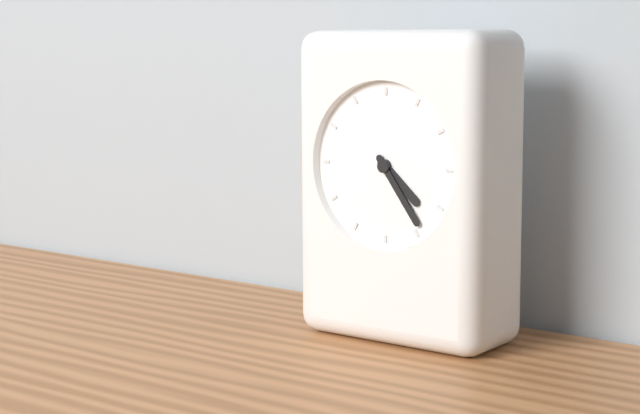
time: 4:24
